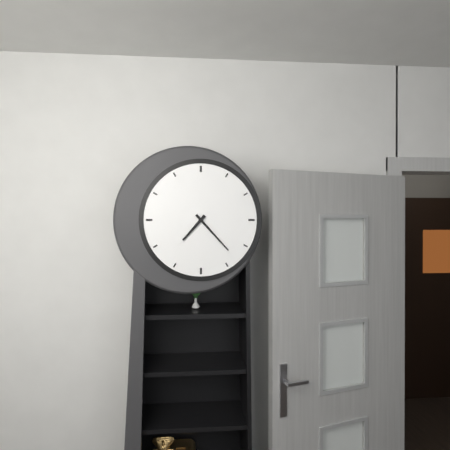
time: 7:23
